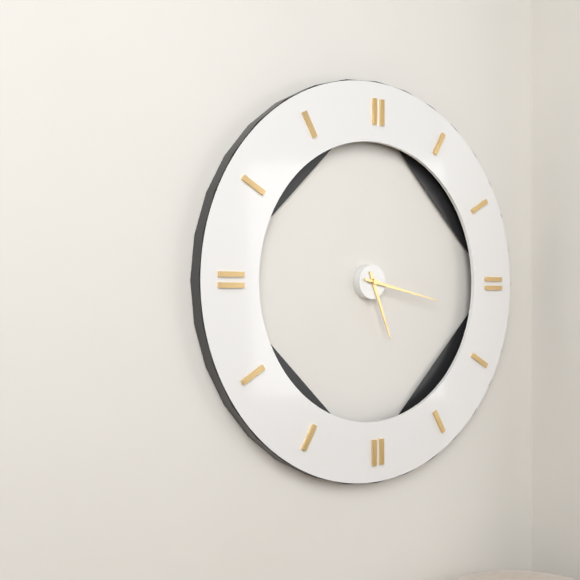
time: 5:17
